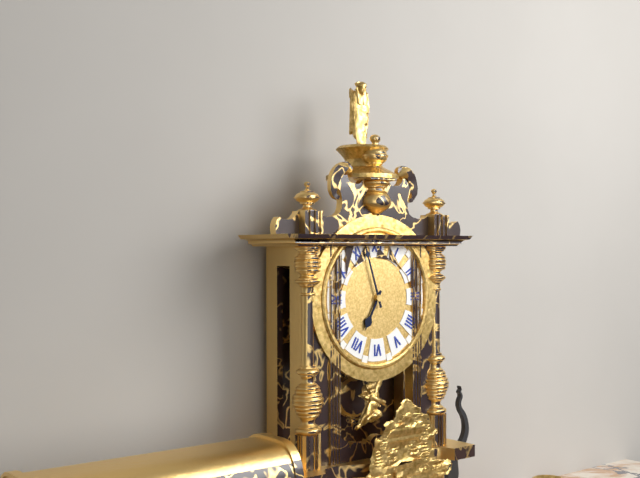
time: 6:57
